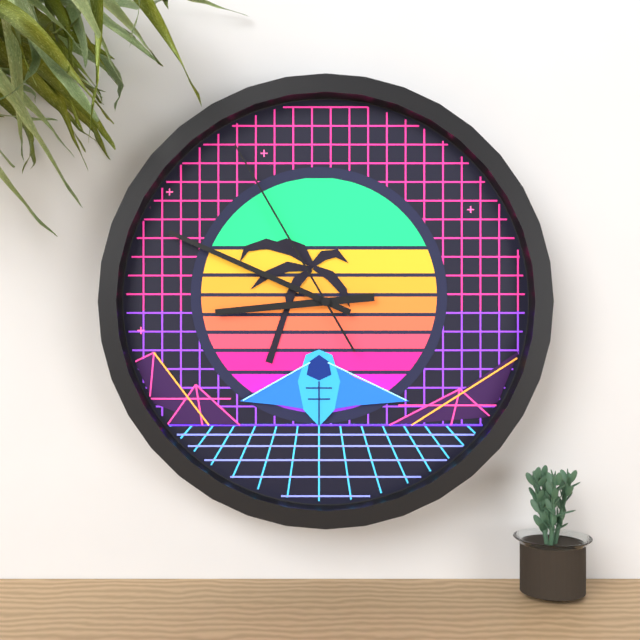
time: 8:49:55
